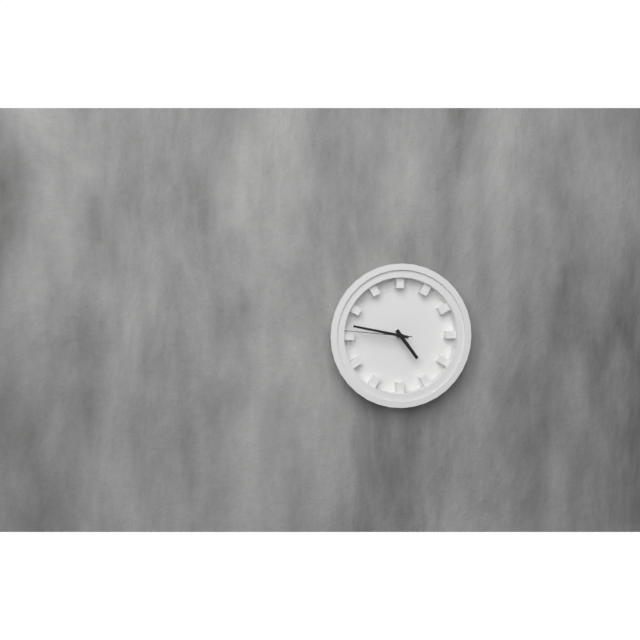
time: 4:47:46
